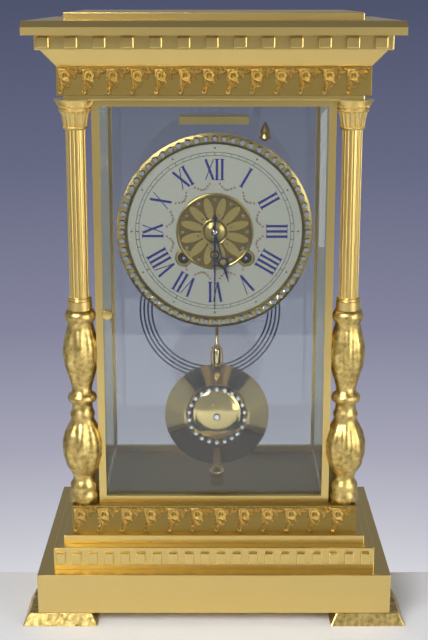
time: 5:30
